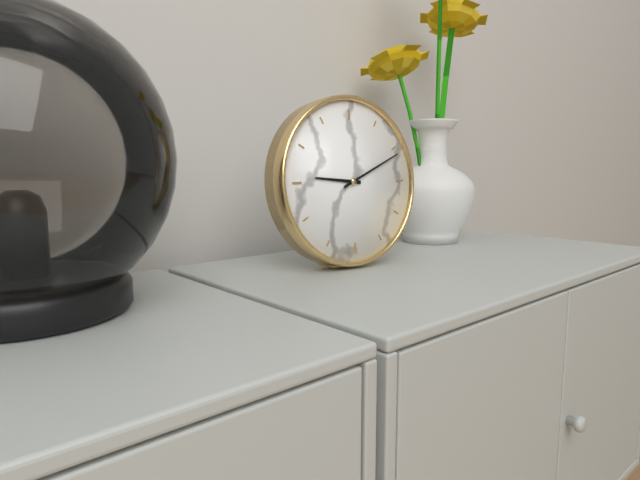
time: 9:11
